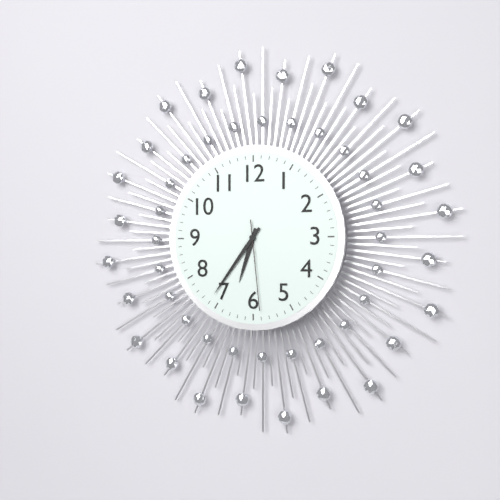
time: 6:36:29
